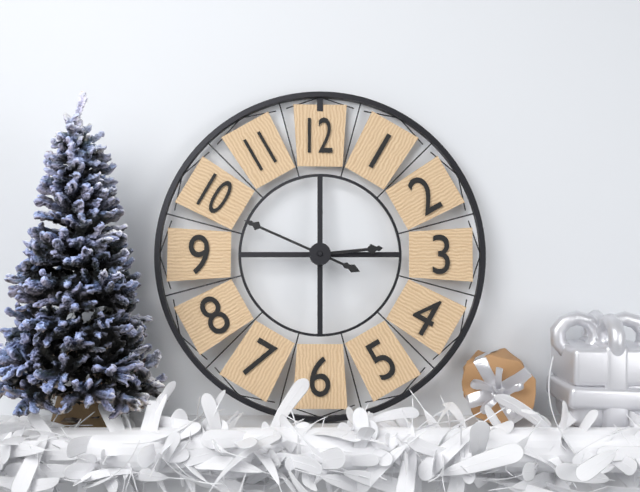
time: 2:49
